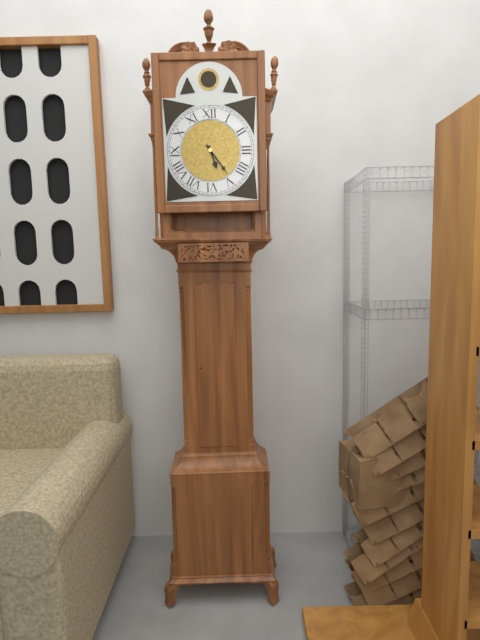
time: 5:24
